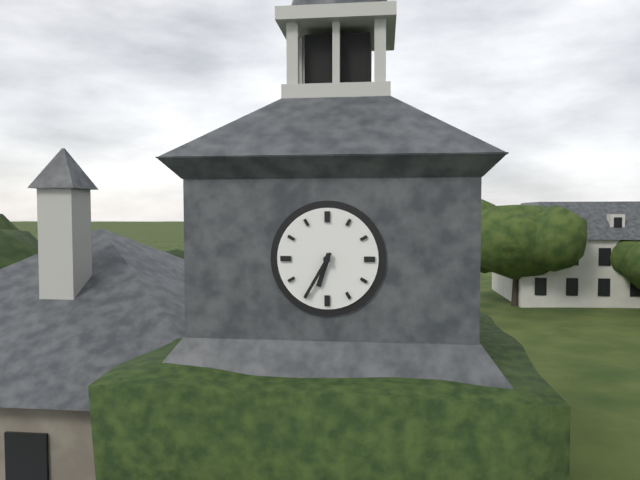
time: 6:35
